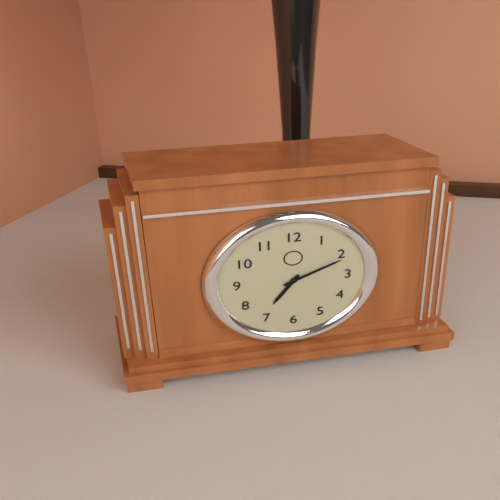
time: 7:11
